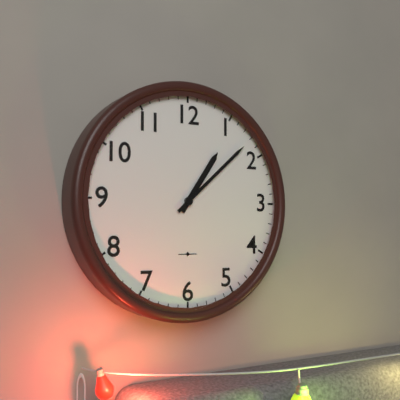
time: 1:08
